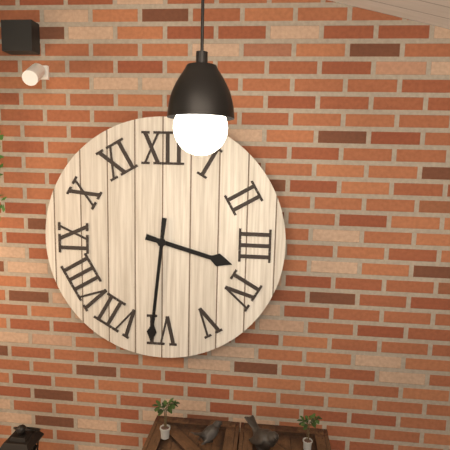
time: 3:31
